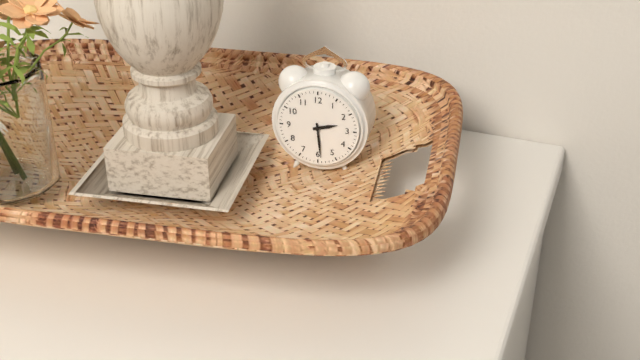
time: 2:29
